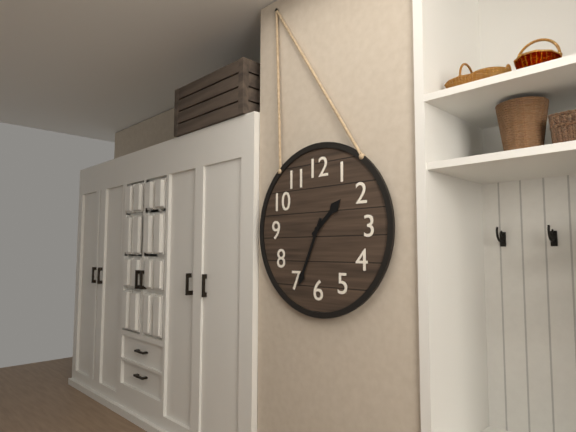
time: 1:34
